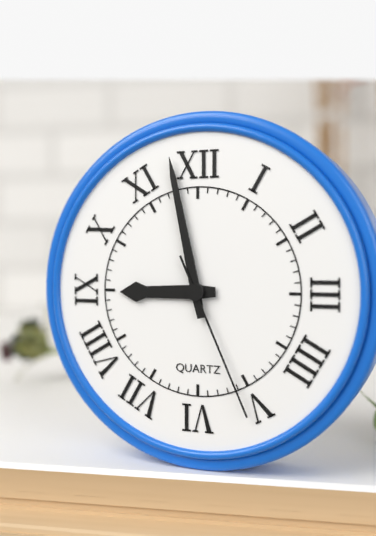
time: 8:58:26
